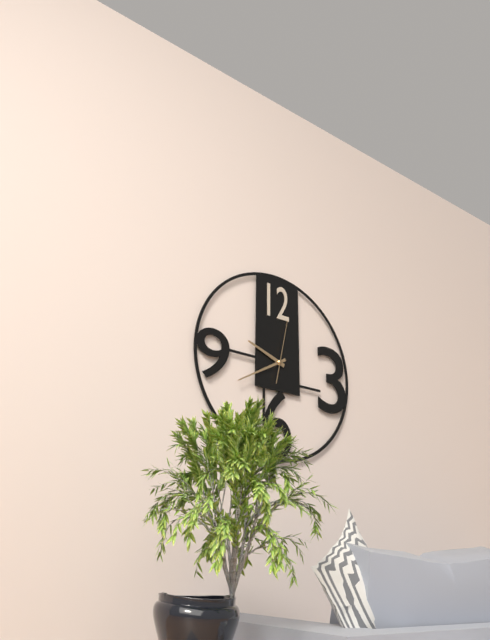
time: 9:40:02
